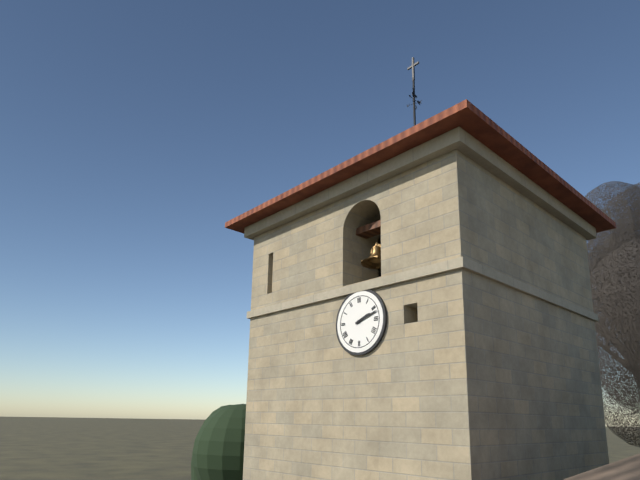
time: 2:12
